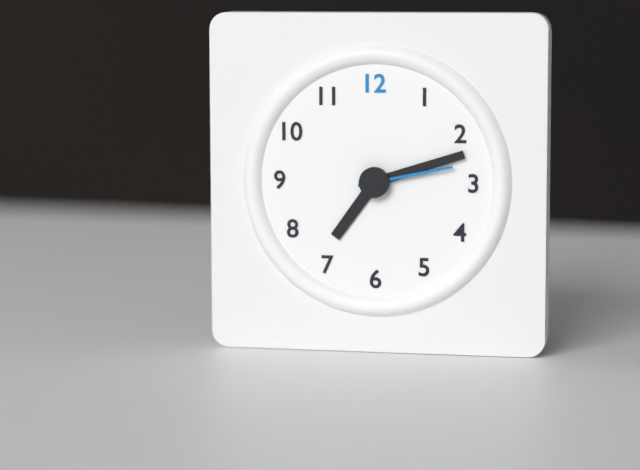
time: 7:12:13
